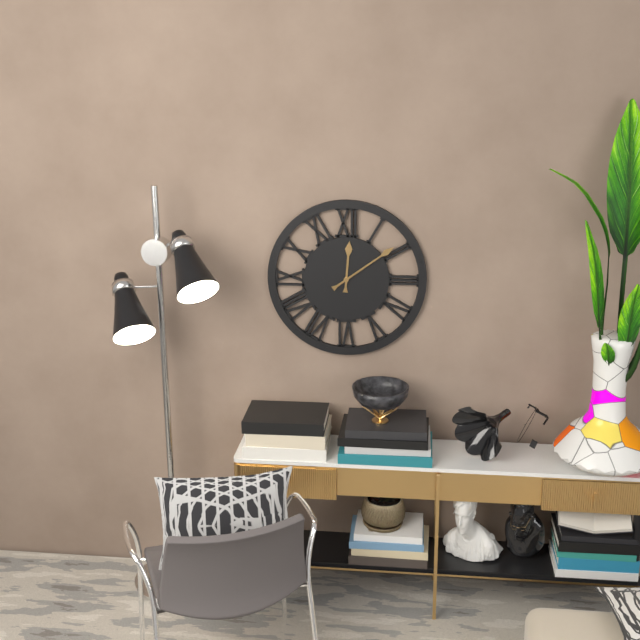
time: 12:09
